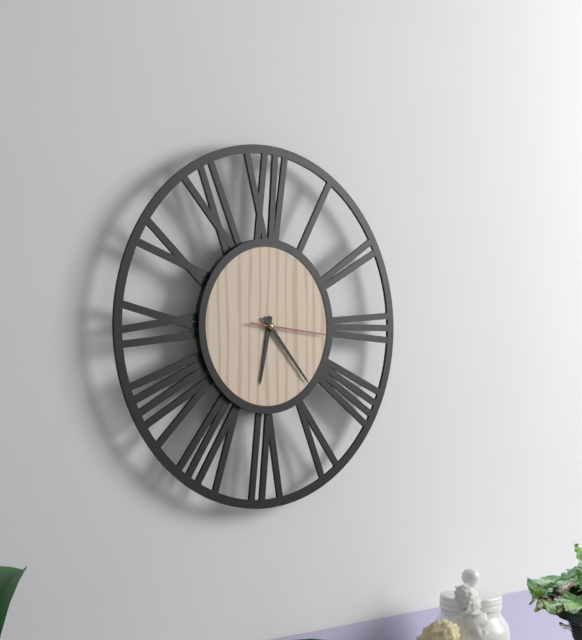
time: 6:23:16
